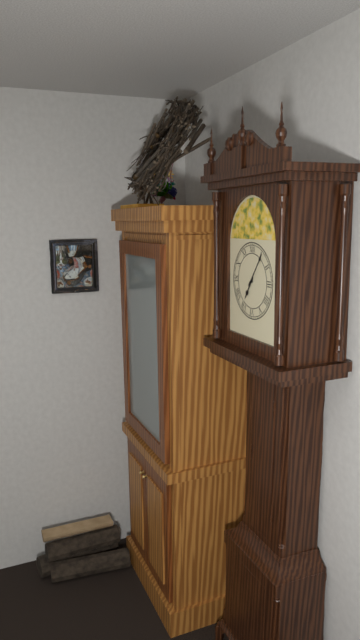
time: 7:06
